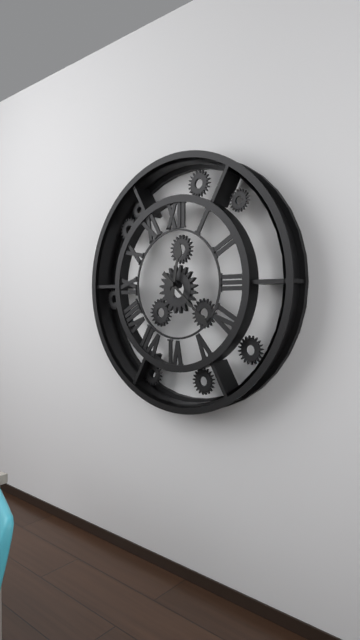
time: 12:22
